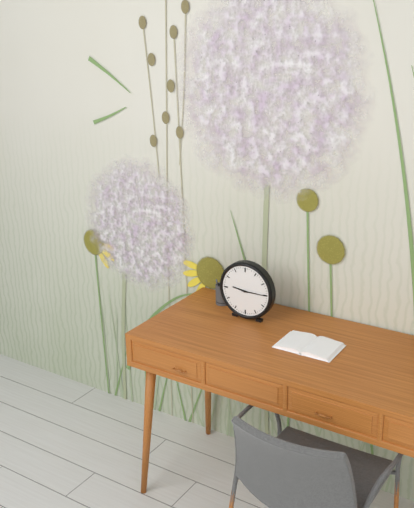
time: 9:15
